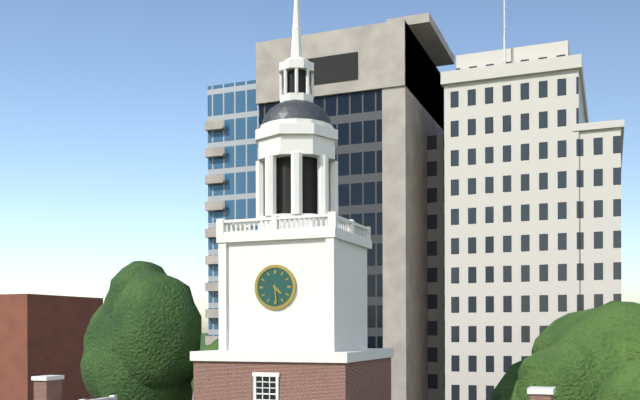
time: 4:29
